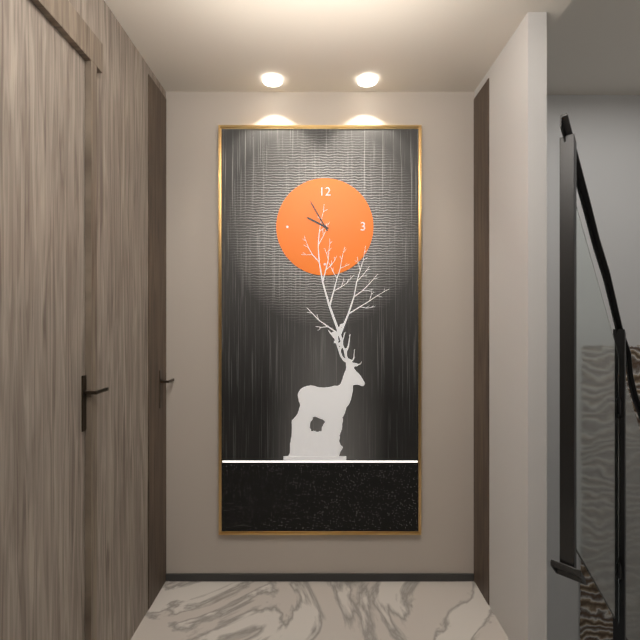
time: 9:55
